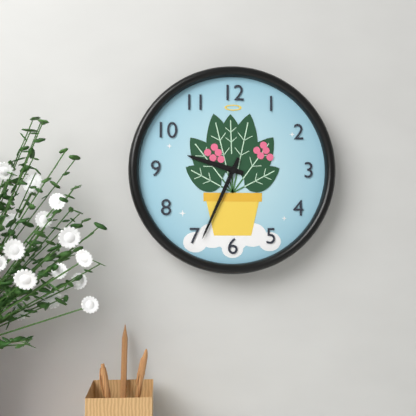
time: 9:34
